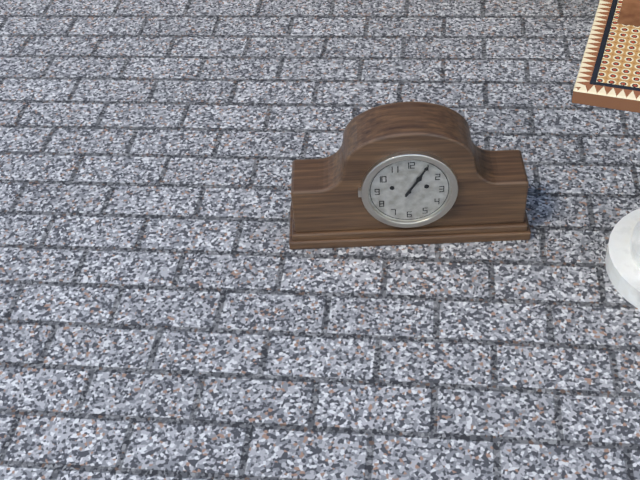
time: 1:05
